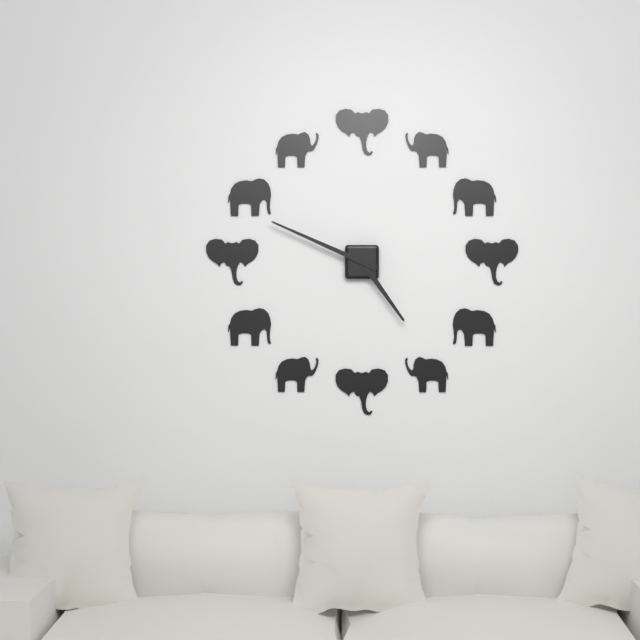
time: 4:49
